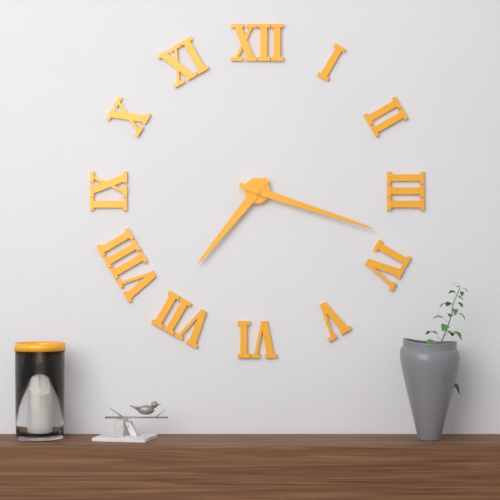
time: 7:18
